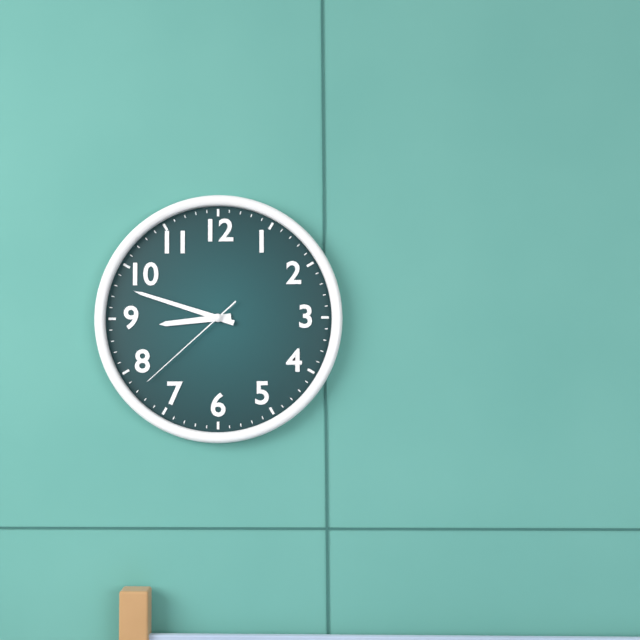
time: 8:48:38
